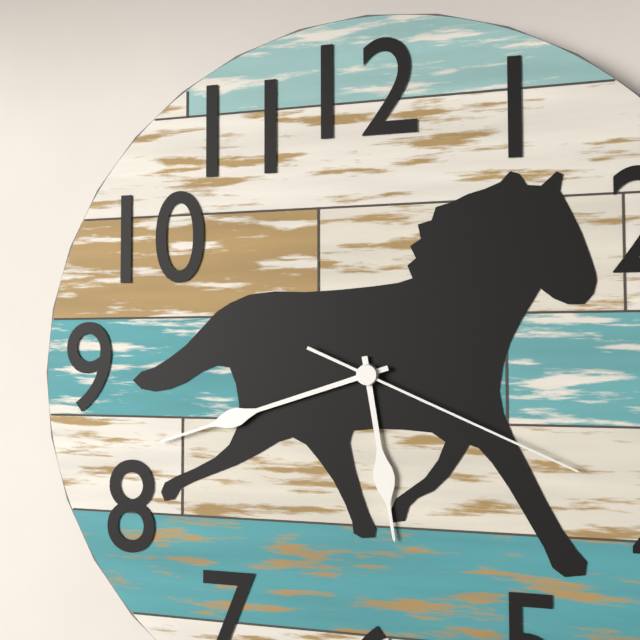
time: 5:42:19
